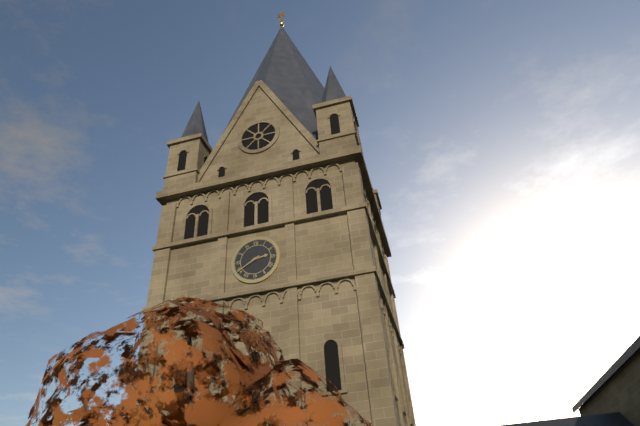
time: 2:40
